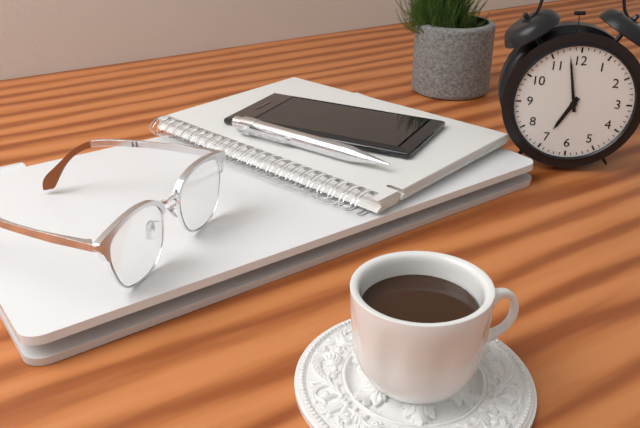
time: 6:58
